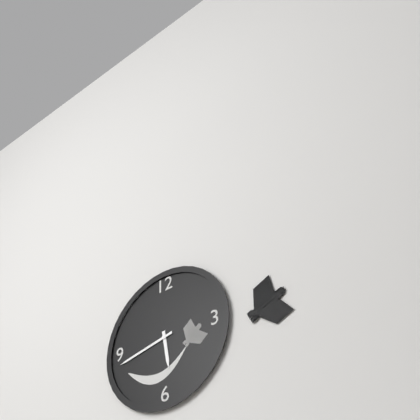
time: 5:43
